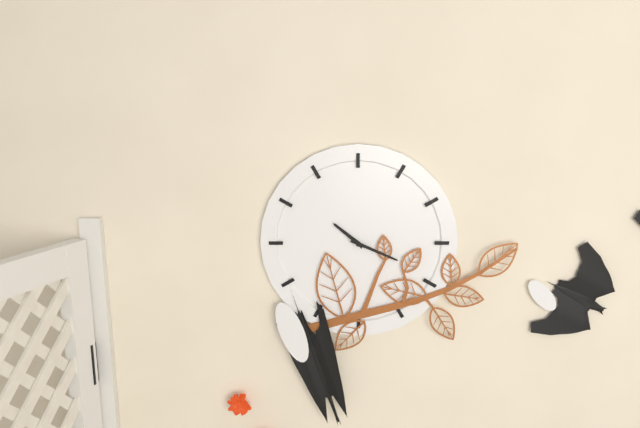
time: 10:19
